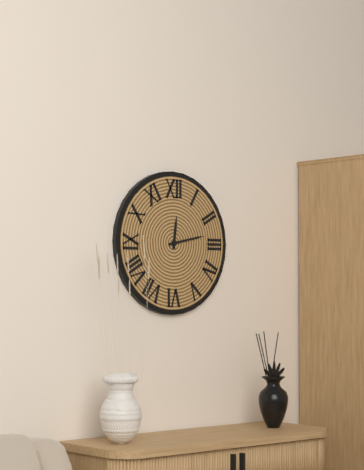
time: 12:13
